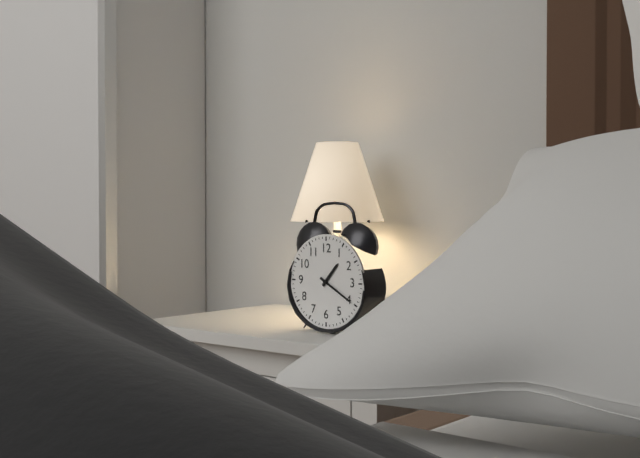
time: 1:20
